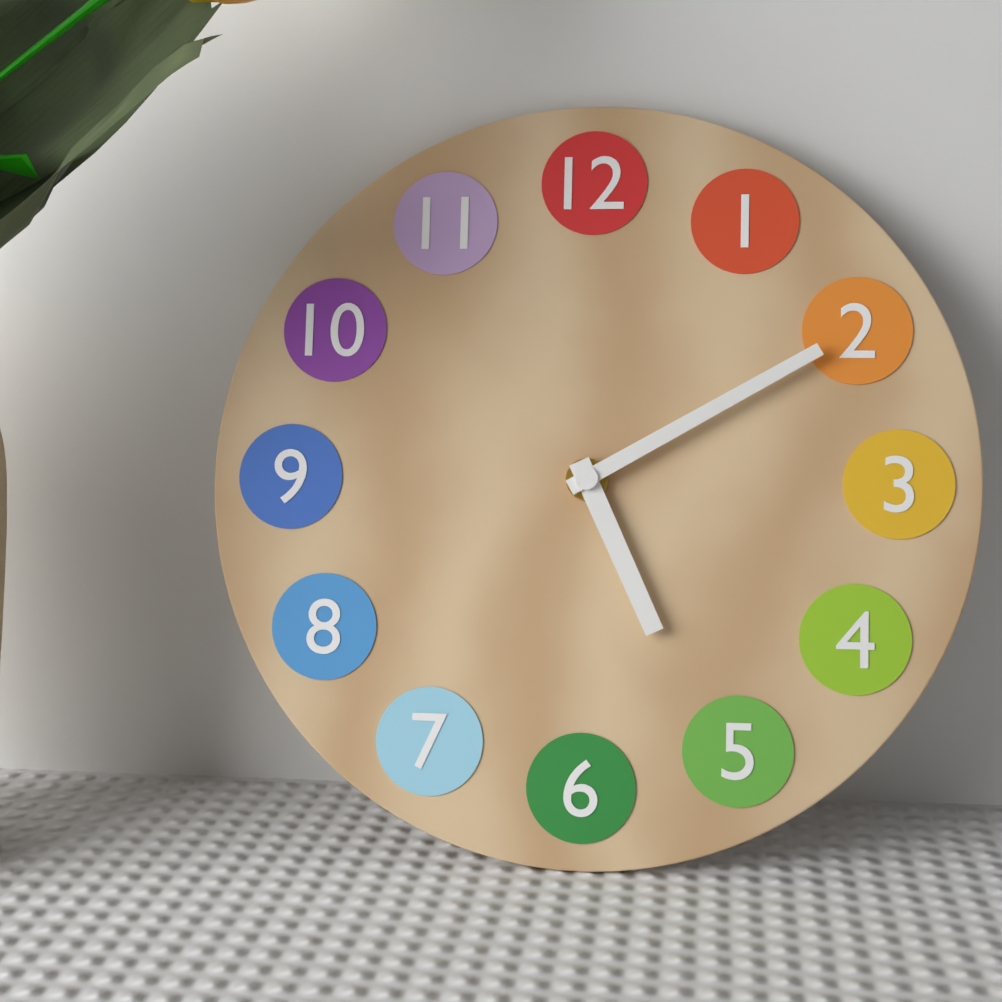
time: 5:10
